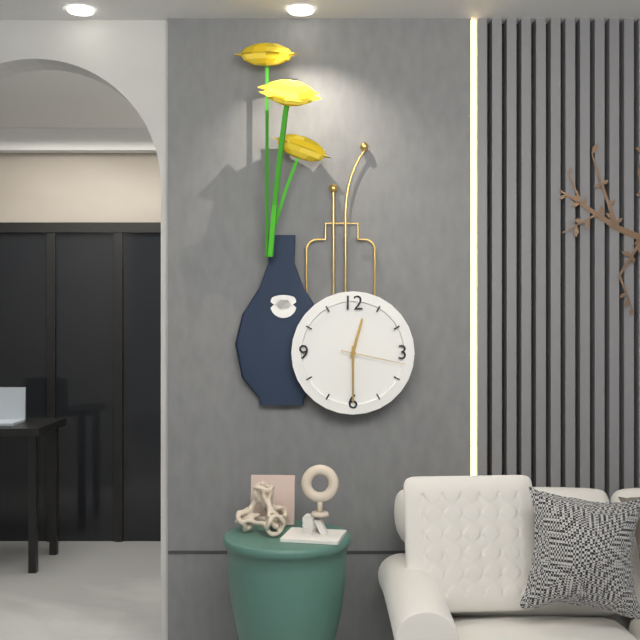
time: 12:30:17
